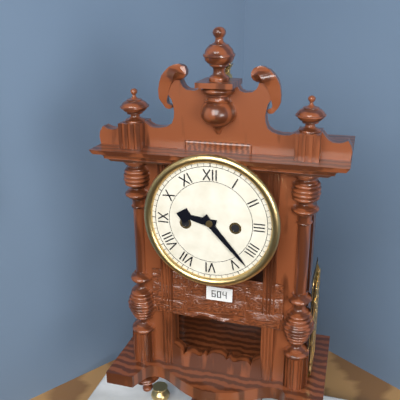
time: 9:23
